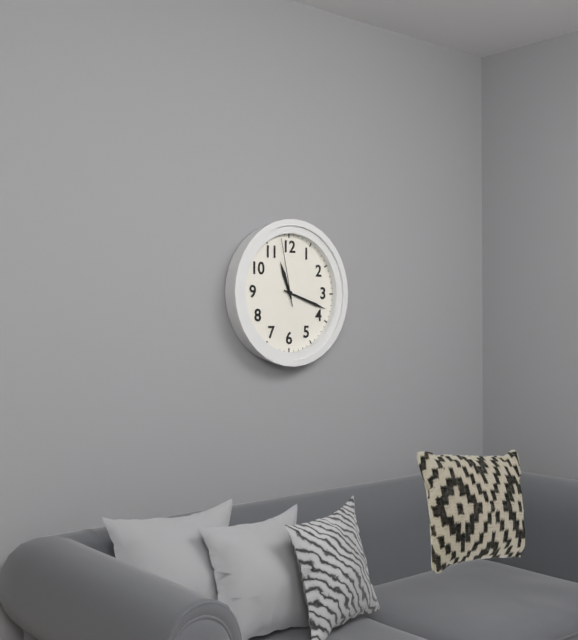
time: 11:18:58
